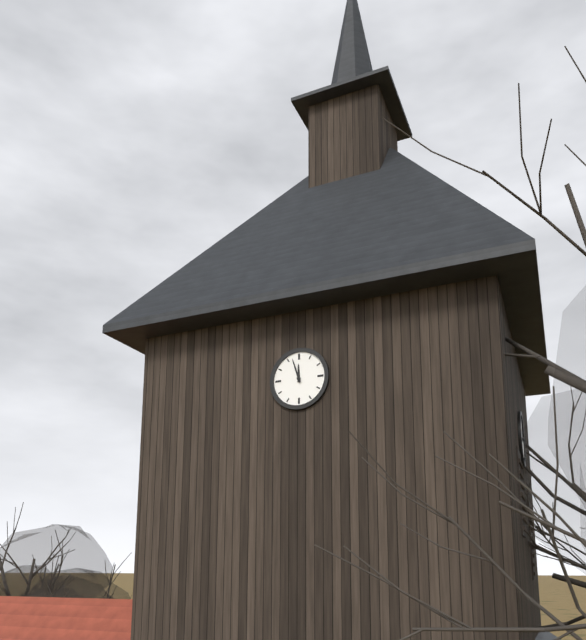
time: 11:57
